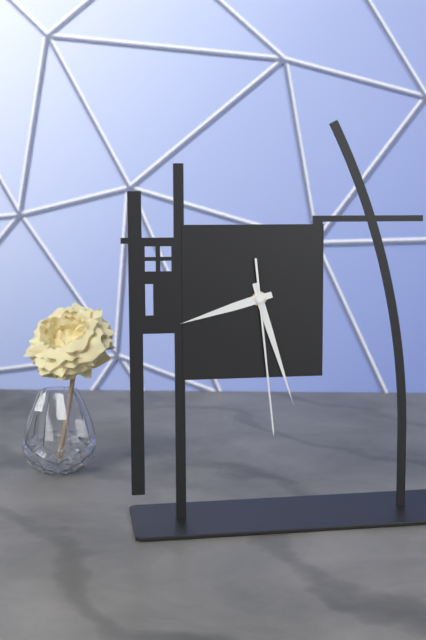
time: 8:27:29
